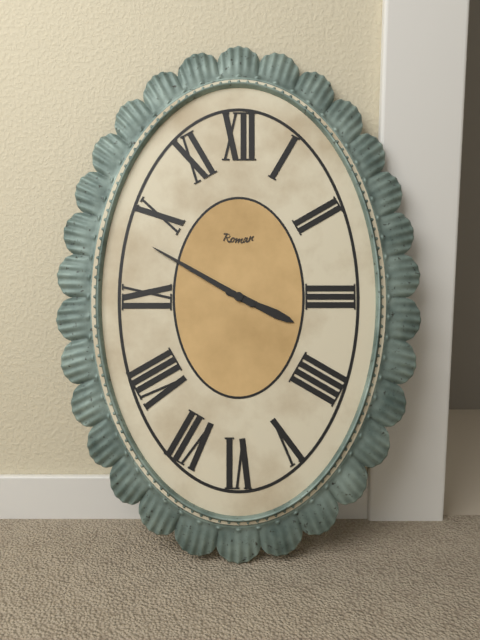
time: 3:50
